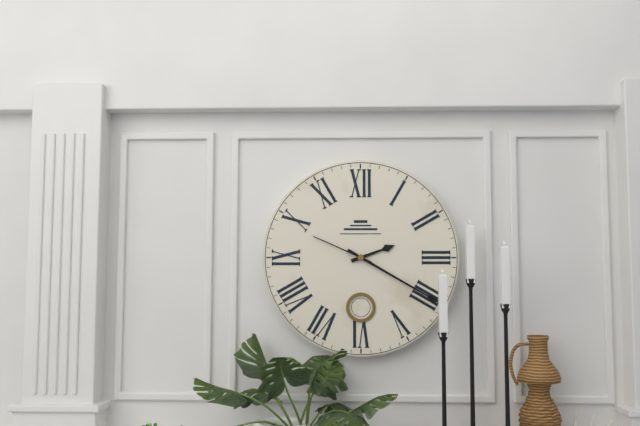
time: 2:20:49
